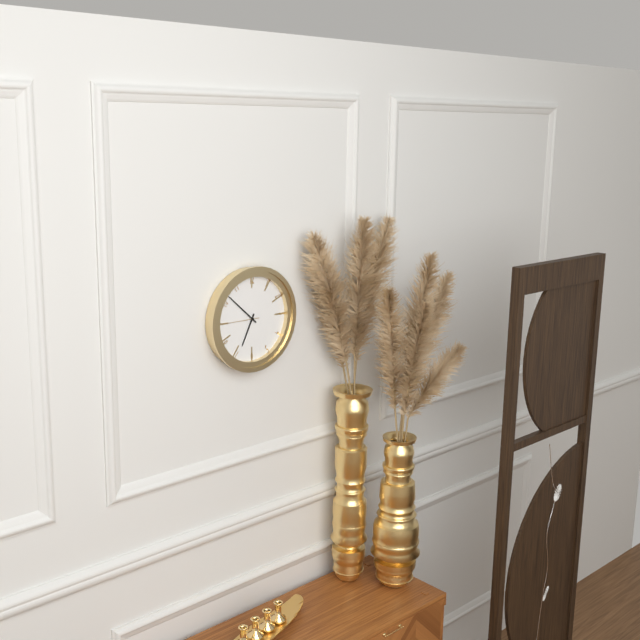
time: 6:52
